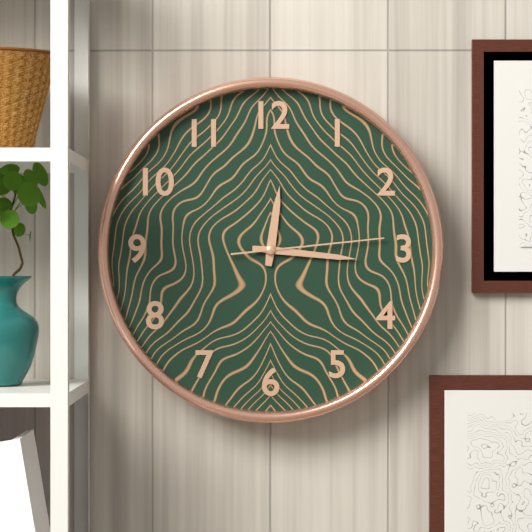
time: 12:16:14
